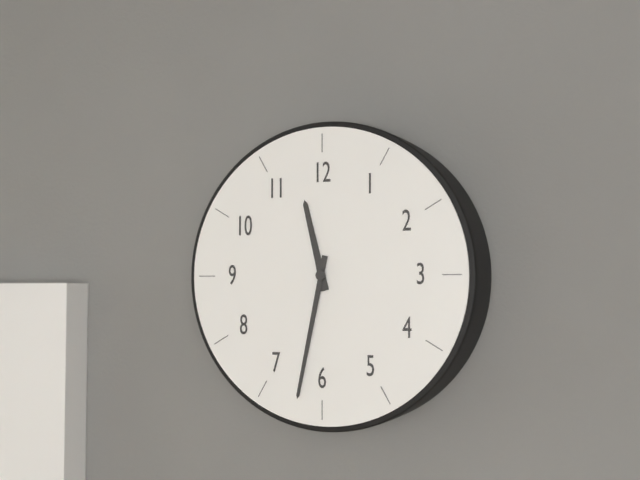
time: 11:32
